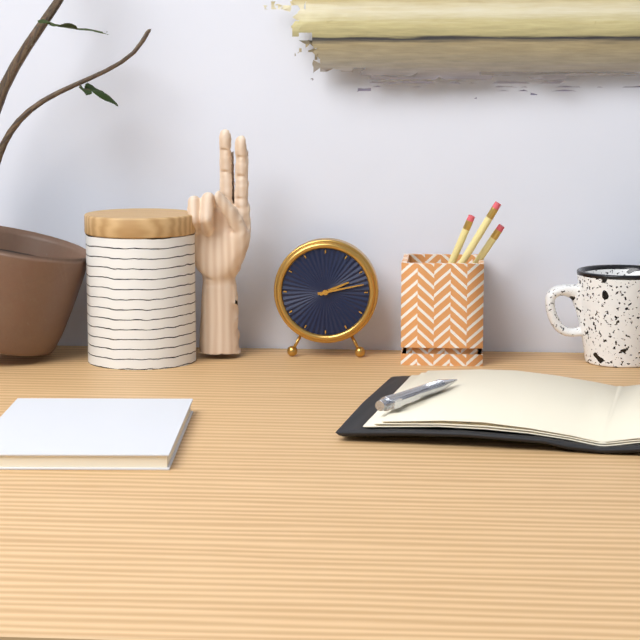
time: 2:13
